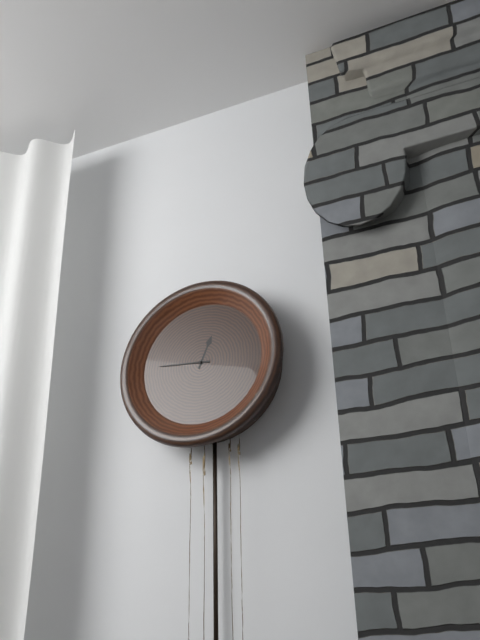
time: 12:46
